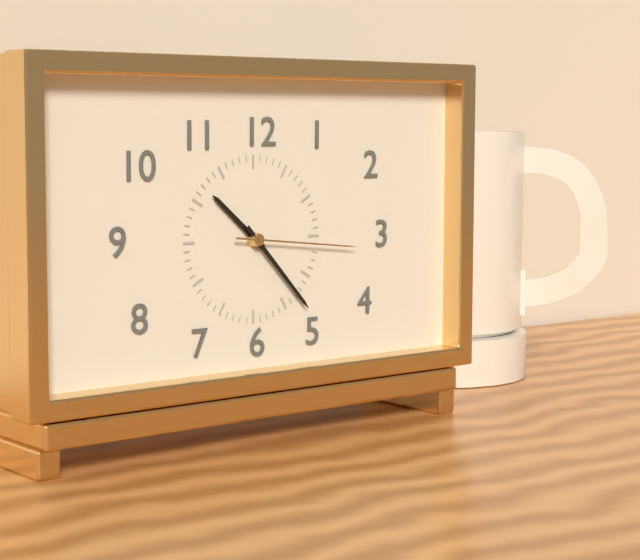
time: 10:23:16
